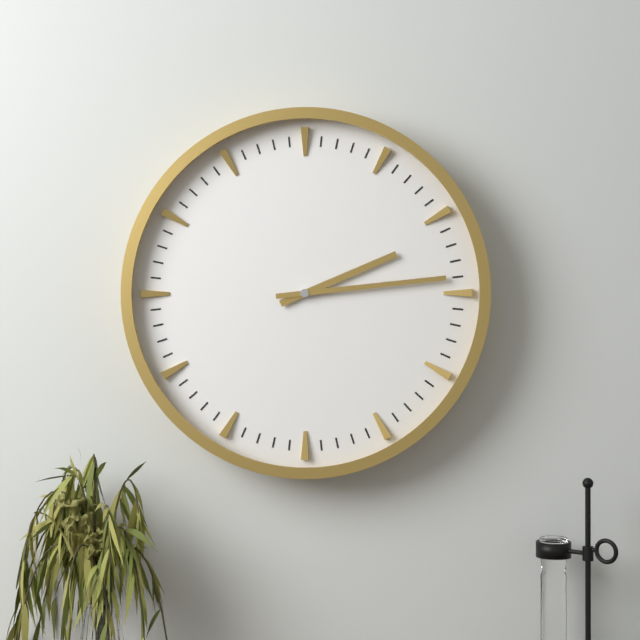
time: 2:14
